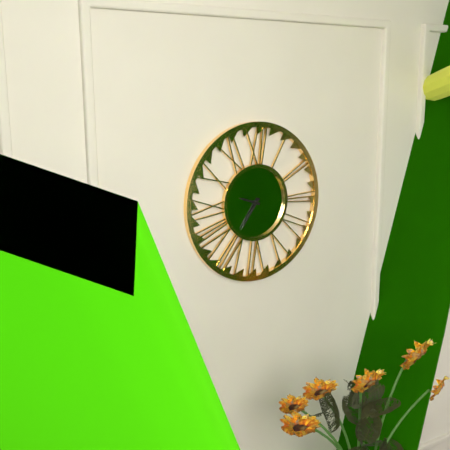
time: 9:36
